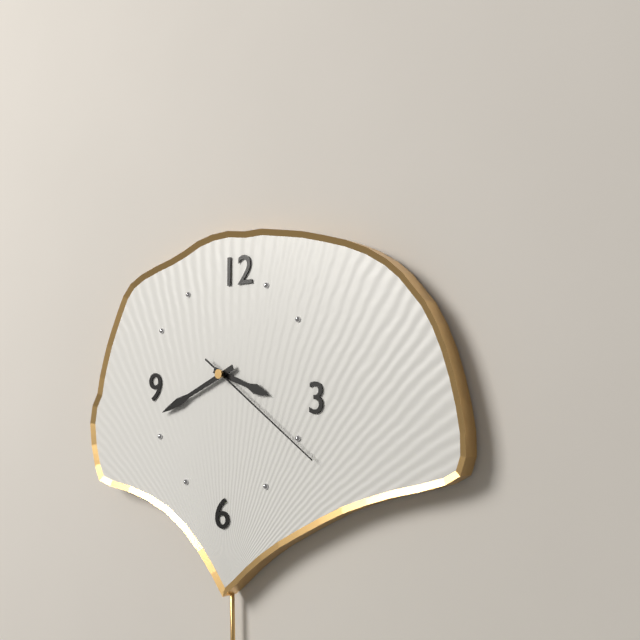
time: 3:41:21
